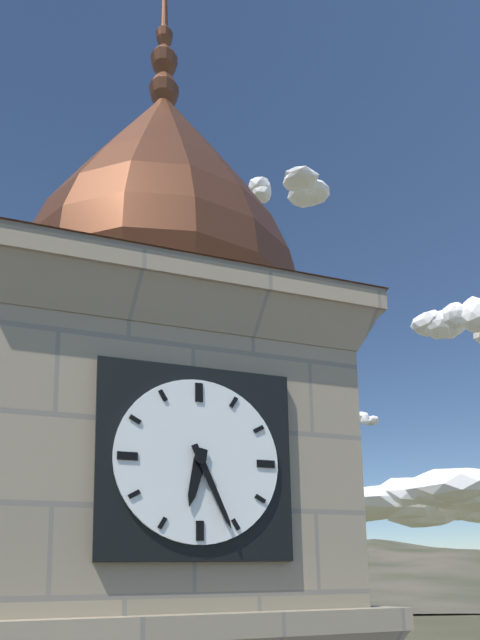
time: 6:26
